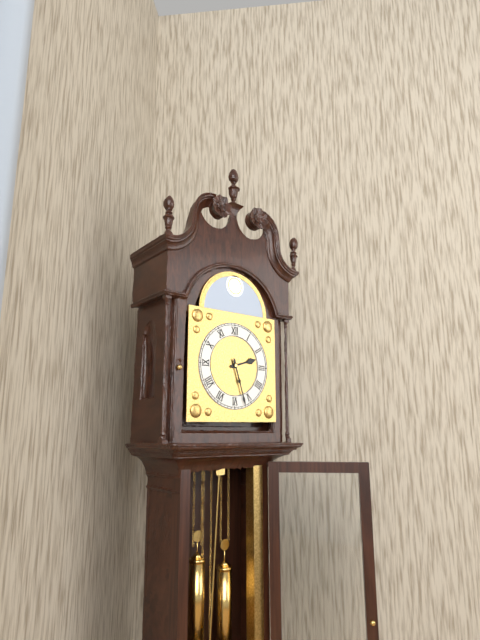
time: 2:27
